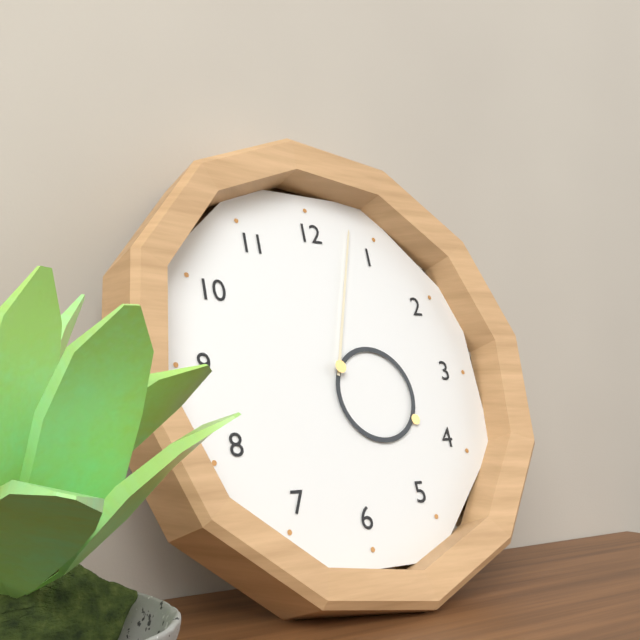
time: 4:03
